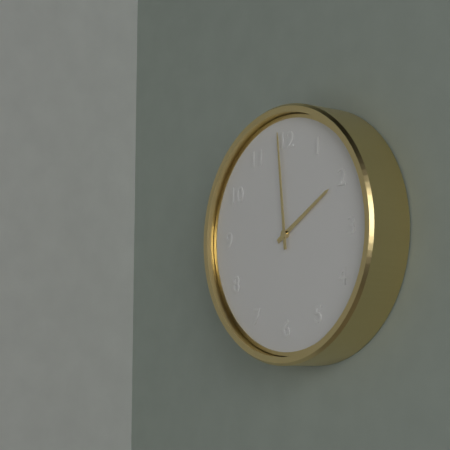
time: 1:59
